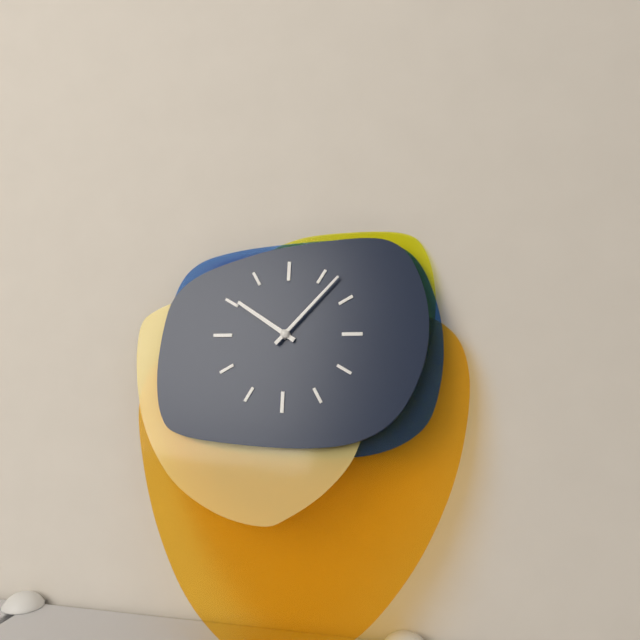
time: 10:07
